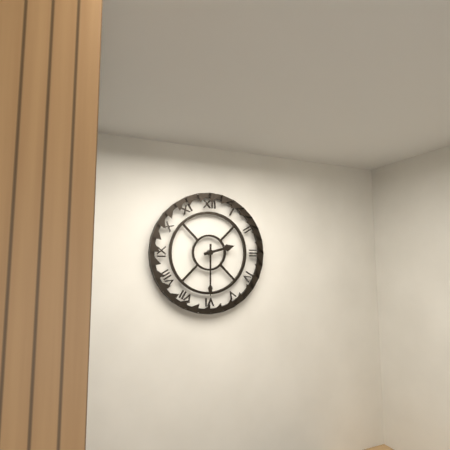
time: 2:30
